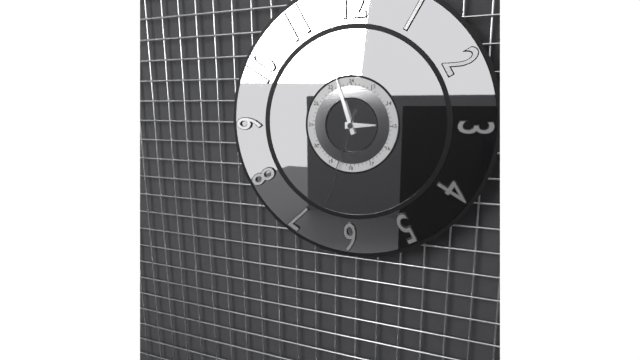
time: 2:57:33
